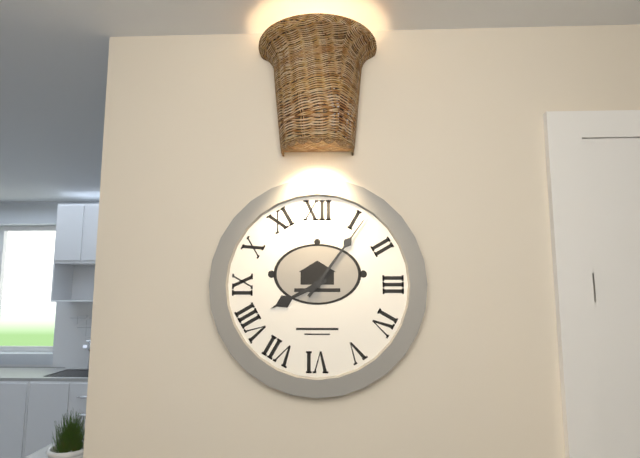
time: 8:06
